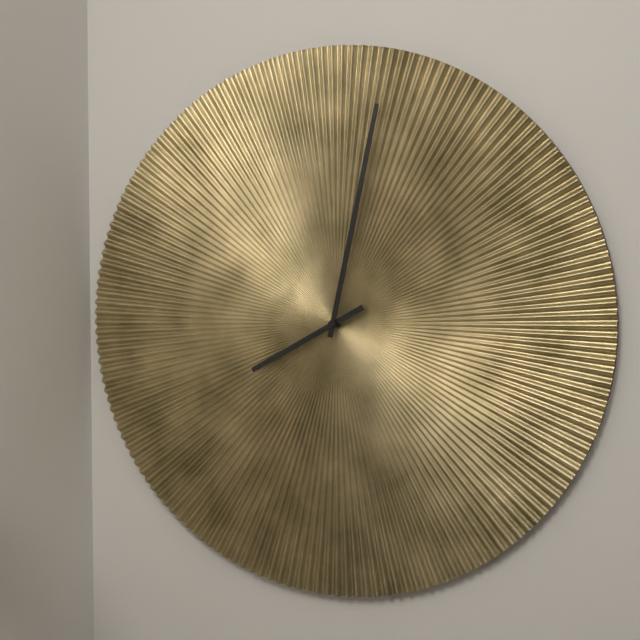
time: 8:02
